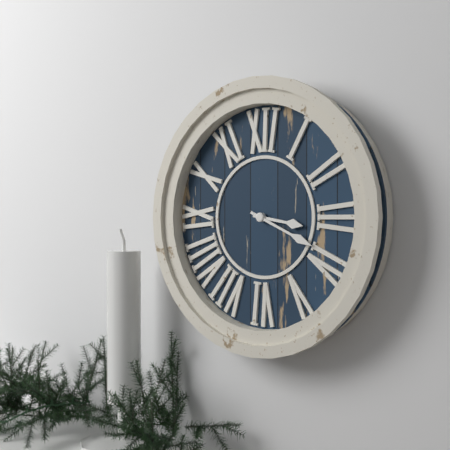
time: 3:19
